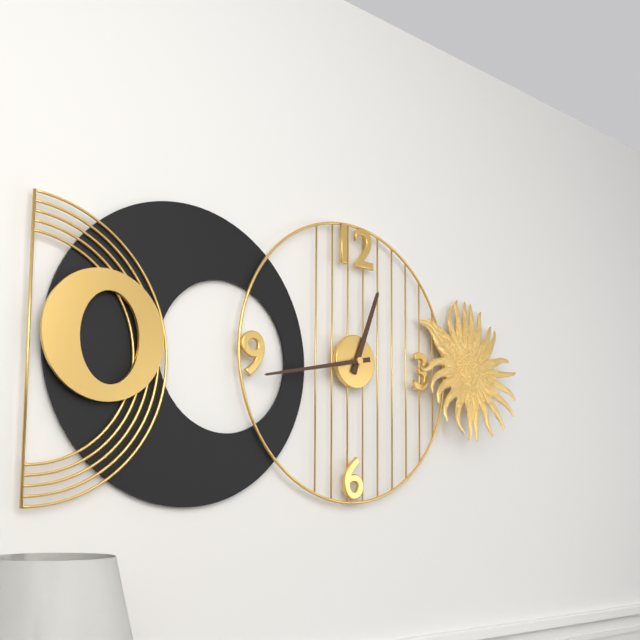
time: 12:43
